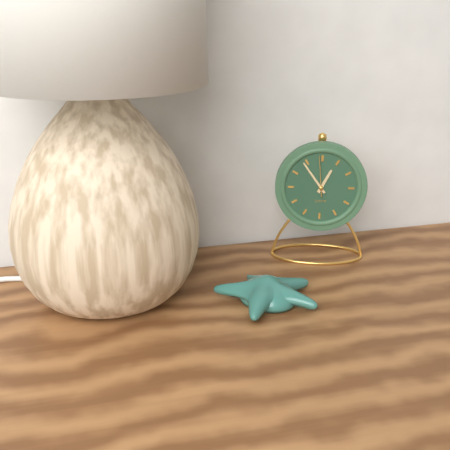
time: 12:54
